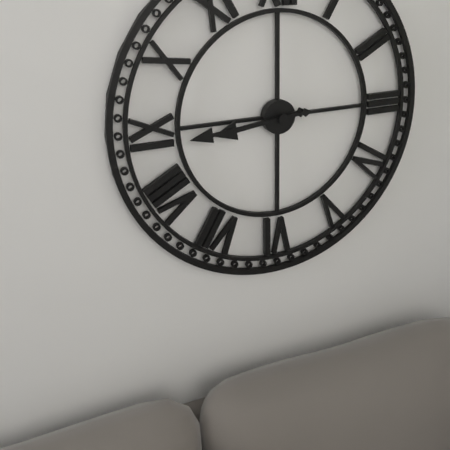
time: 8:44
